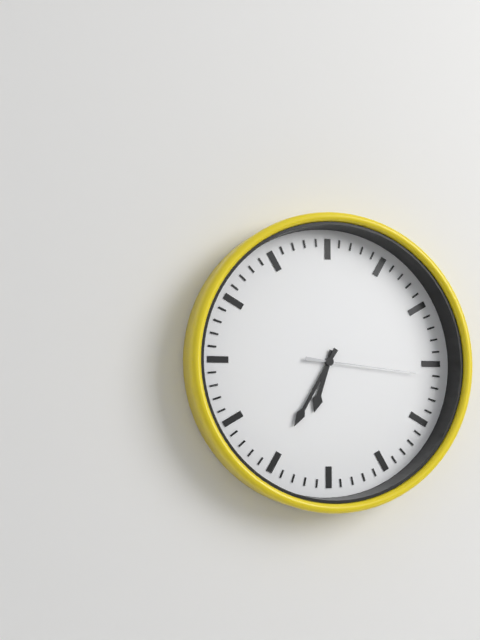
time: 6:35:16
